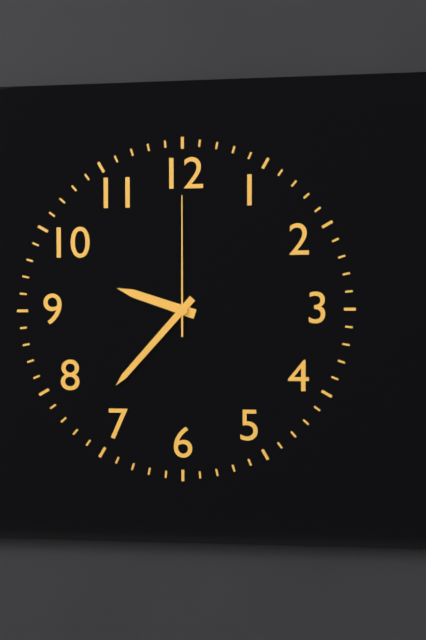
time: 9:37:00
